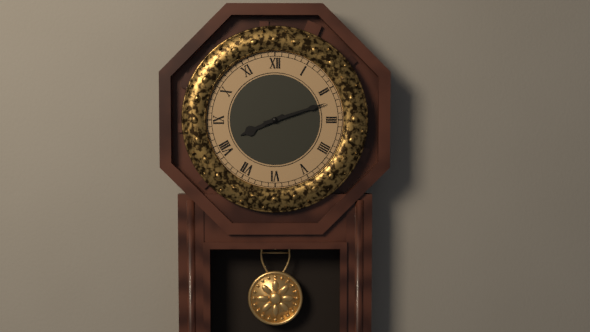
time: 8:12
